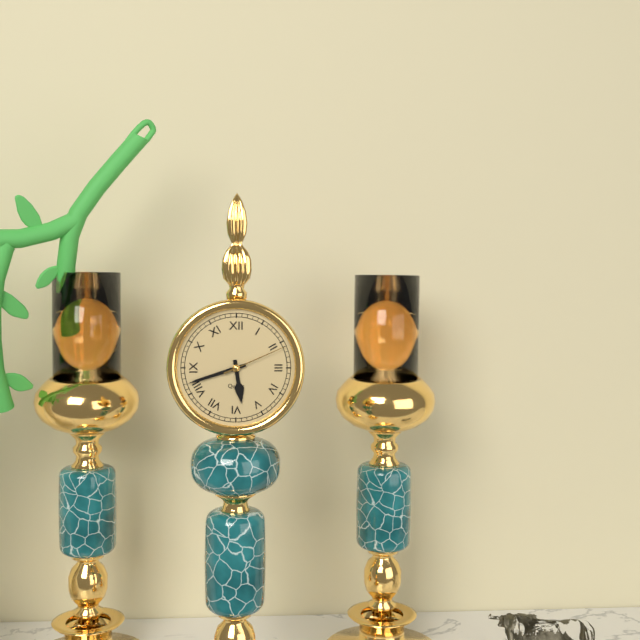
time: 5:42:11
